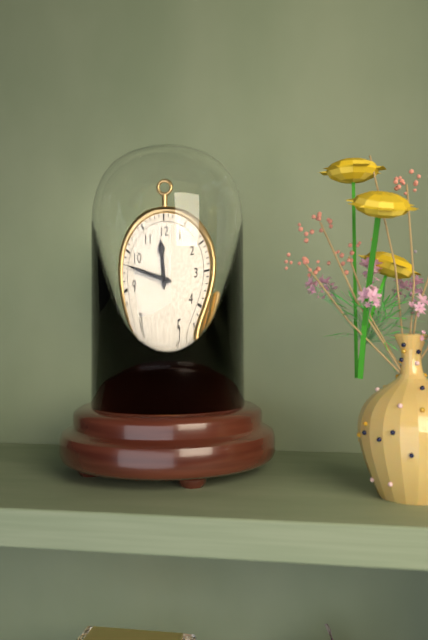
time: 11:48
